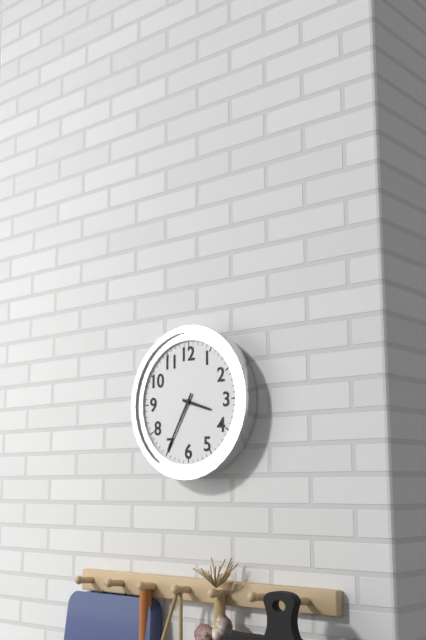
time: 3:35
